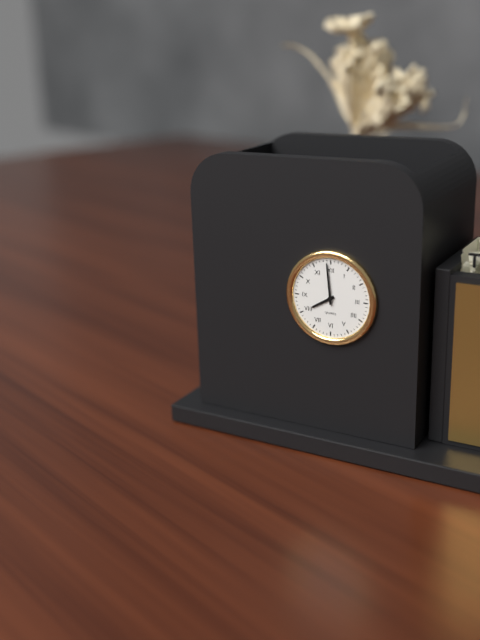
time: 7:59
